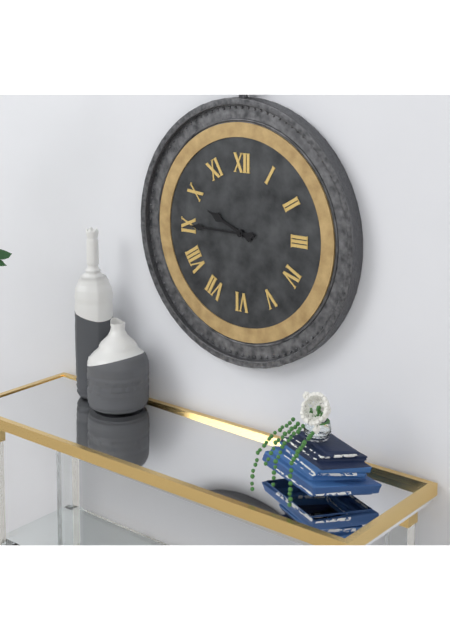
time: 9:45
